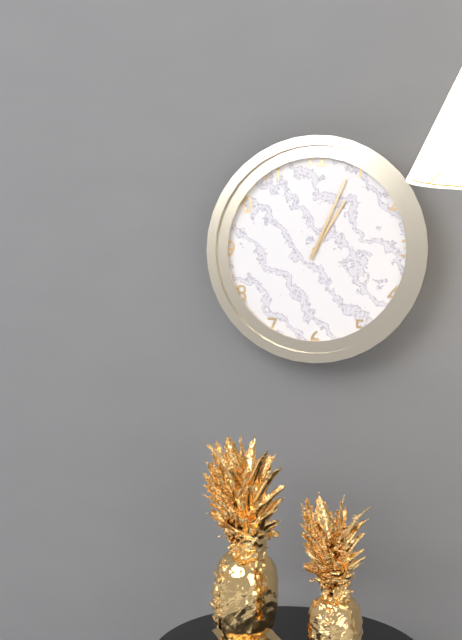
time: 1:04
